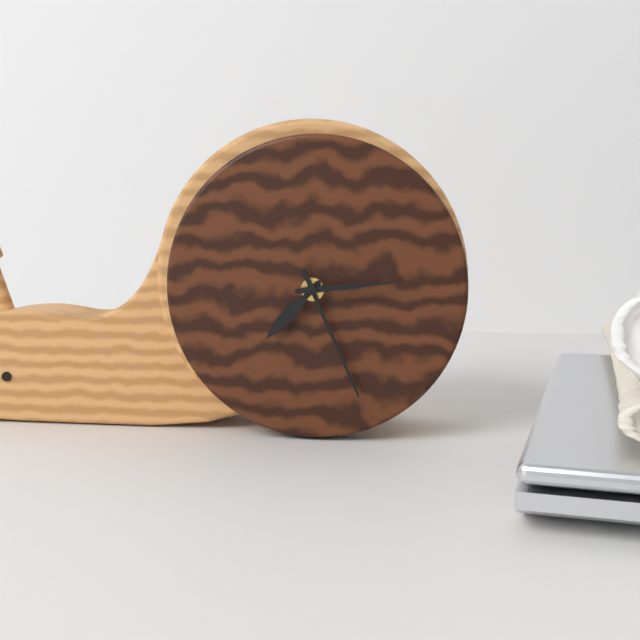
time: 7:26:14
